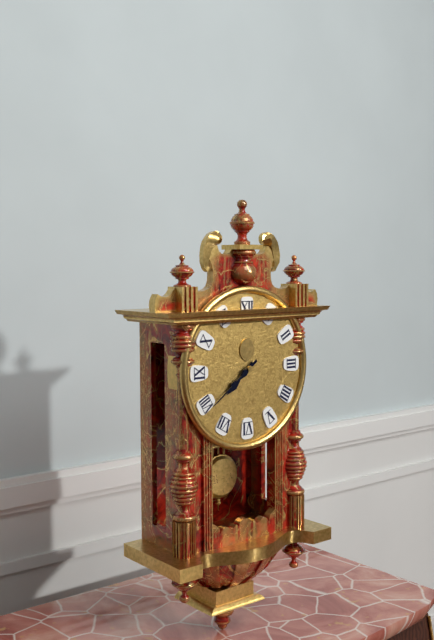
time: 7:39
